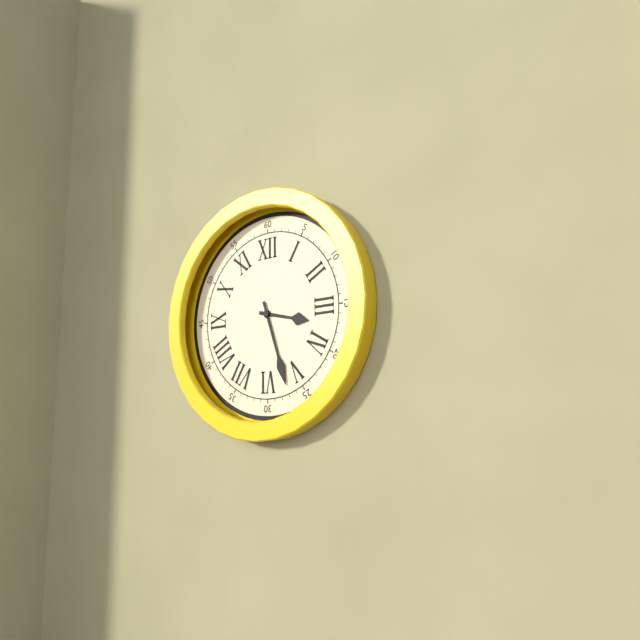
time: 3:27
